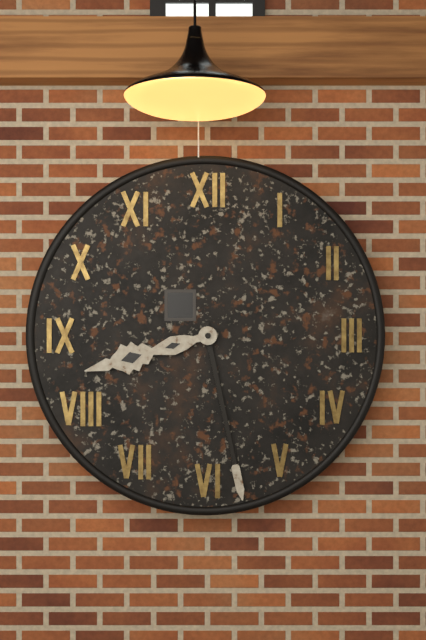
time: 8:28
